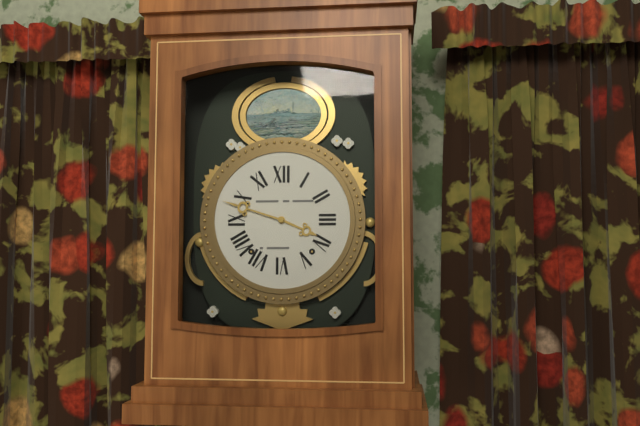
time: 3:48
